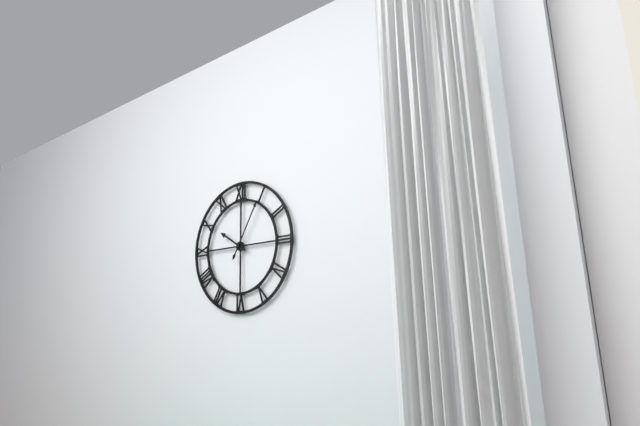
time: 10:05
